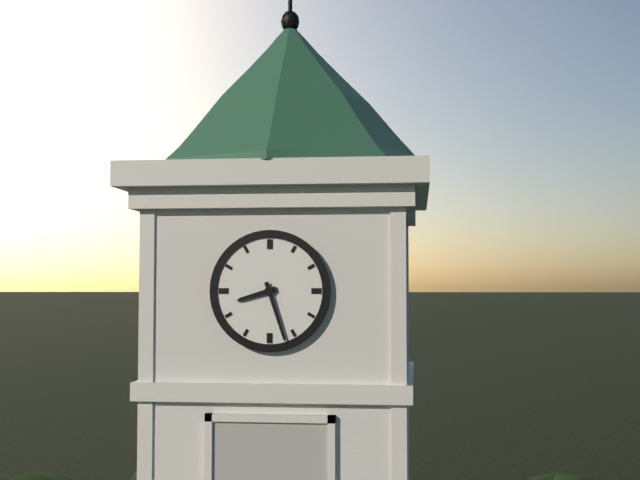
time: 8:27
